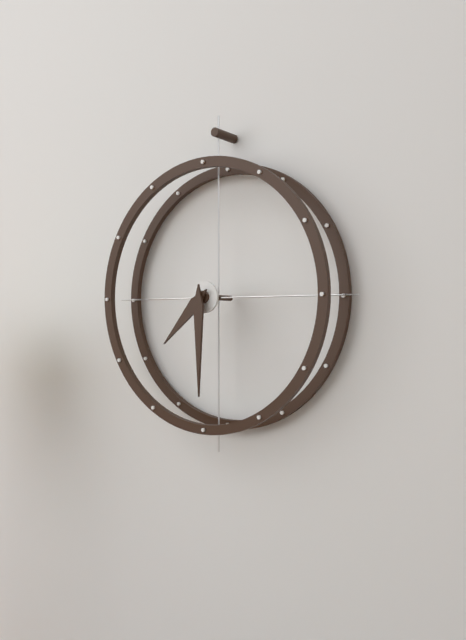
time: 7:30
